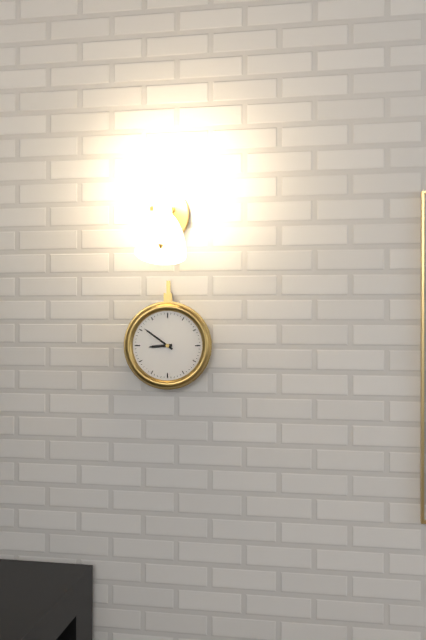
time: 8:51
